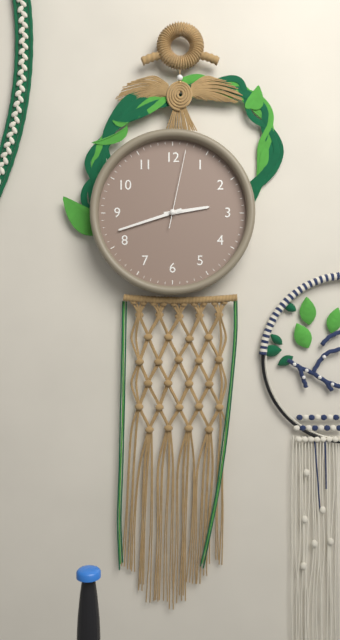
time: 2:42:02
